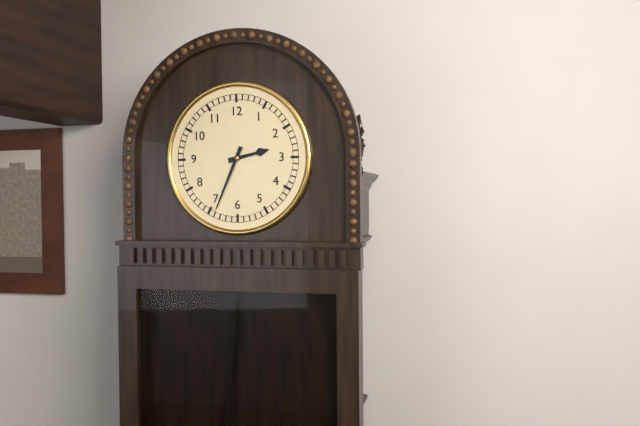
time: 2:34
